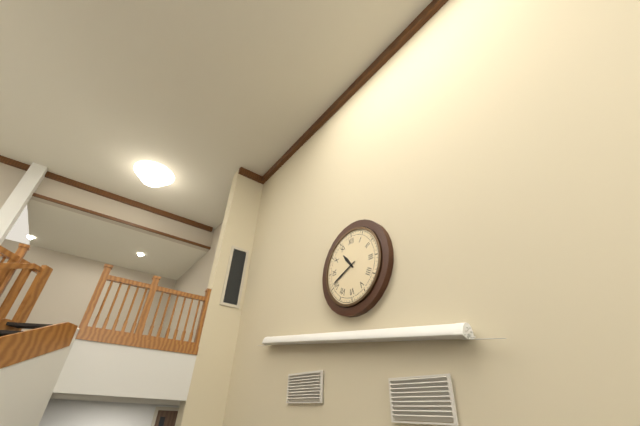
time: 10:41
